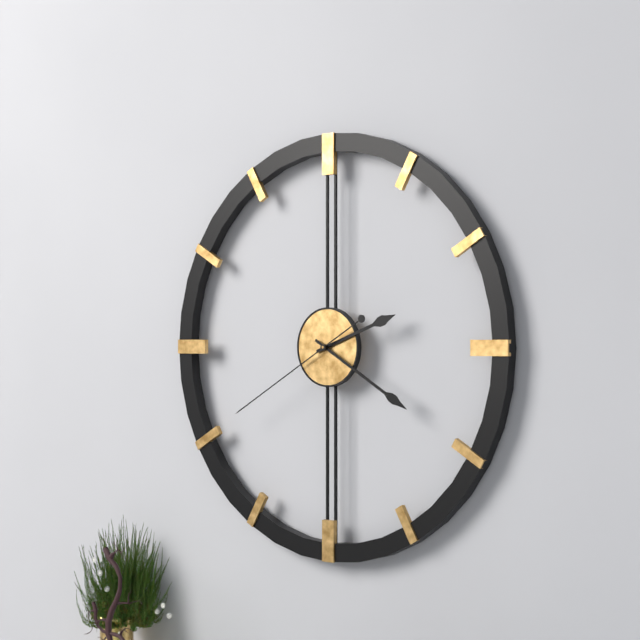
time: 2:20:40
